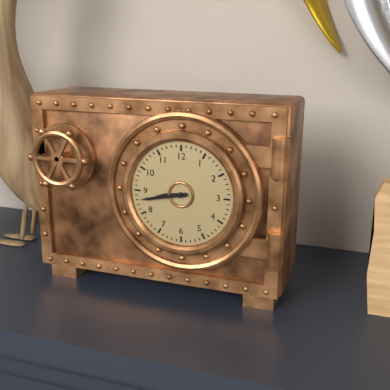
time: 8:43
